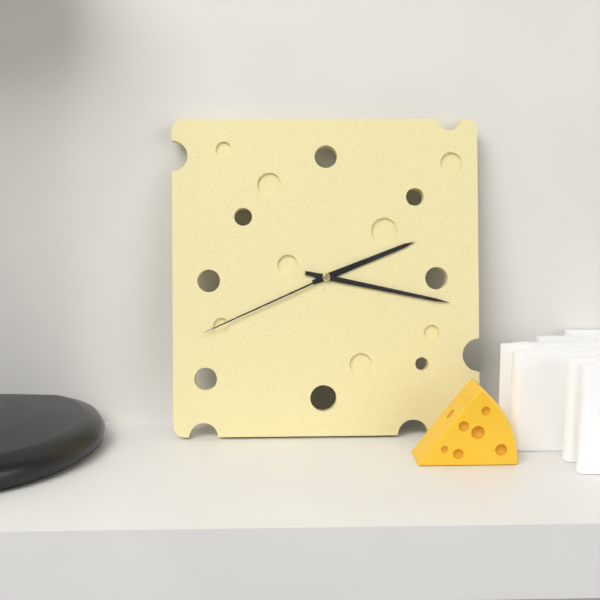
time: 2:17:41
